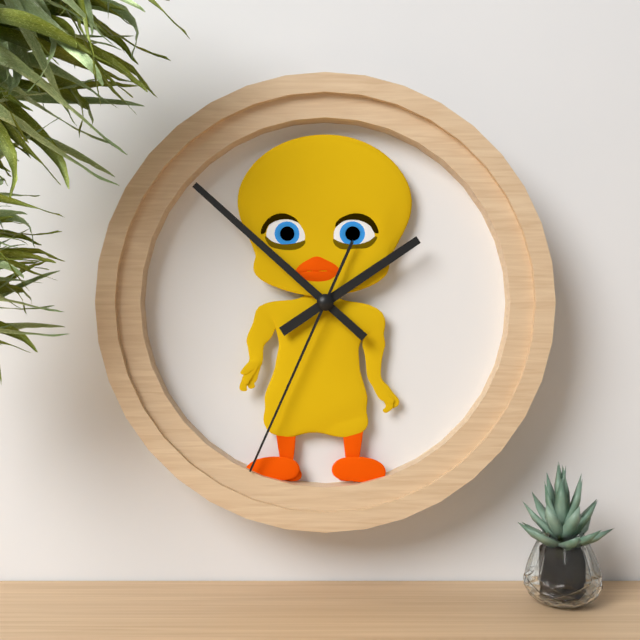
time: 1:52:34
